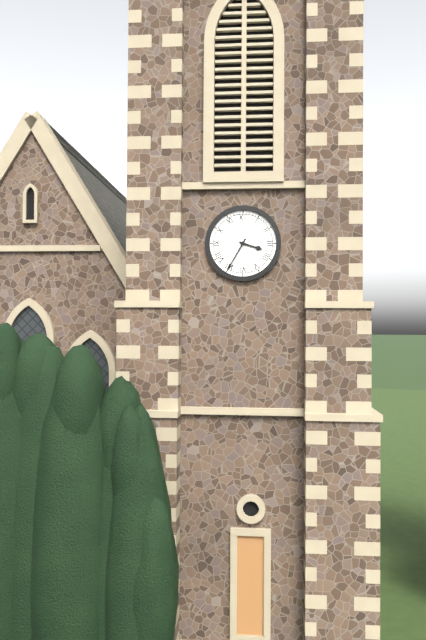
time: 3:35
